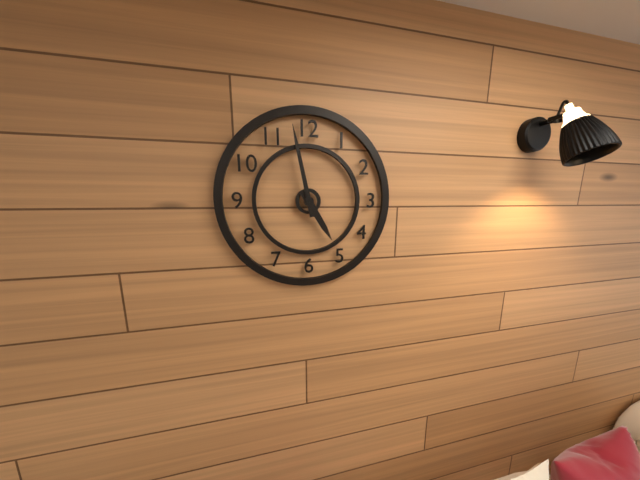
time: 4:58
